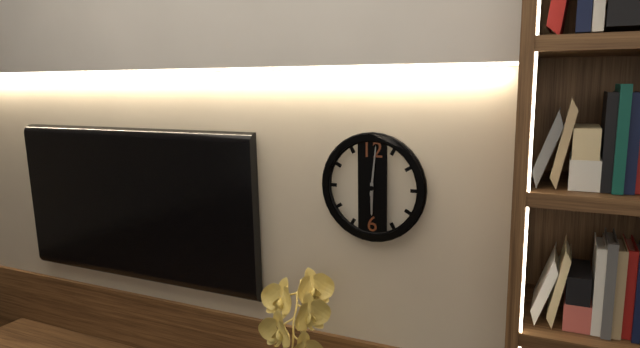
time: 6:01
